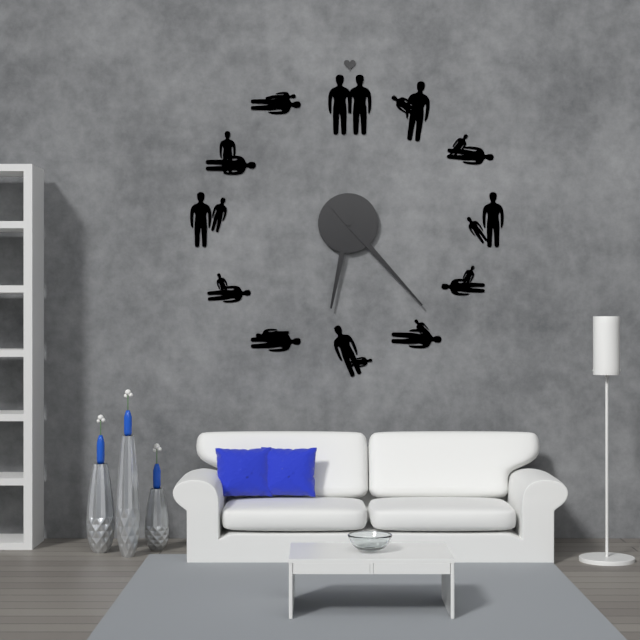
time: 6:23
